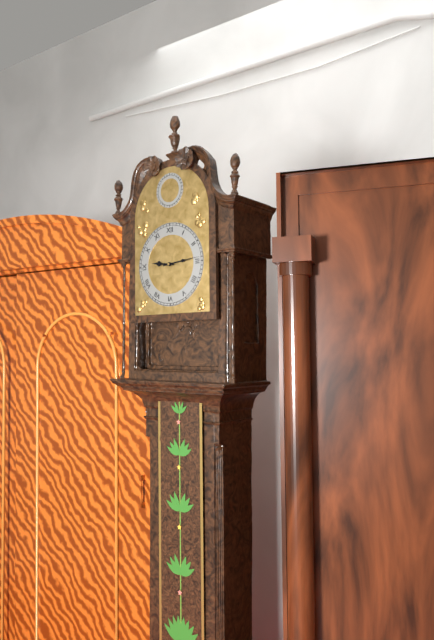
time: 9:14
